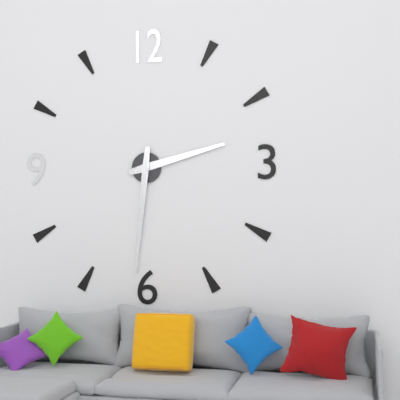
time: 2:31
